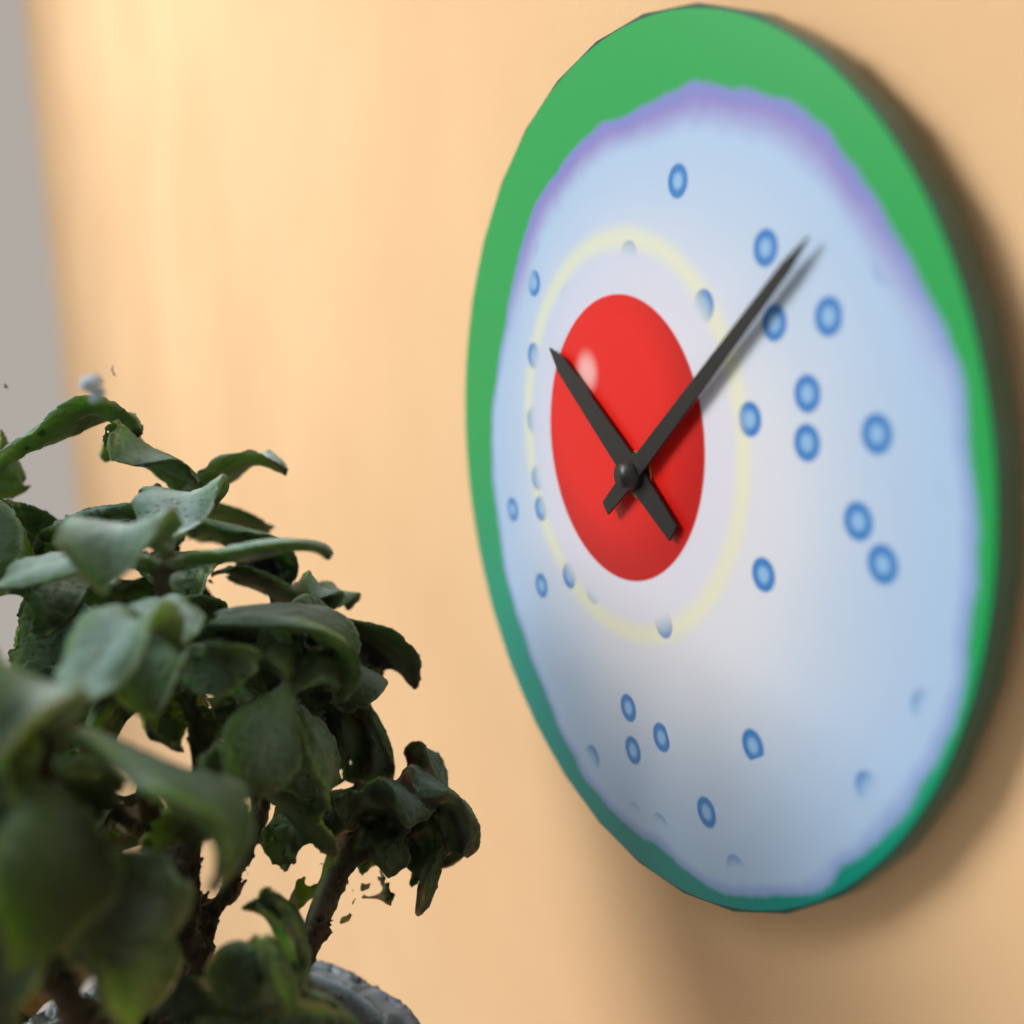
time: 10:08
